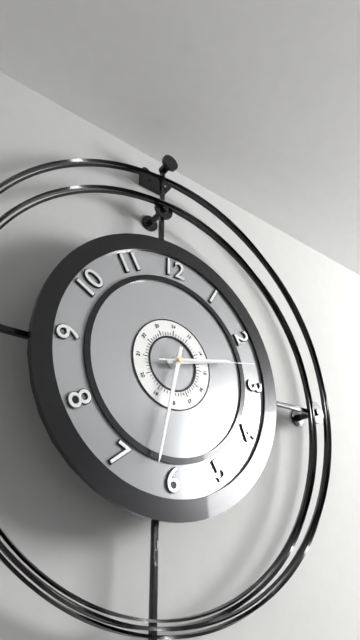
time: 2:32:13
